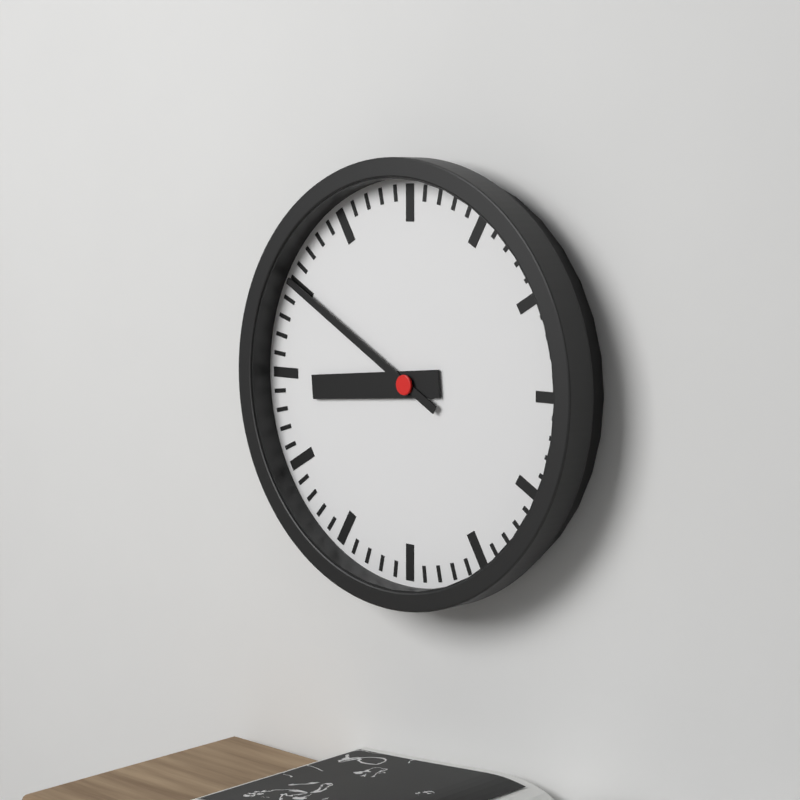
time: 8:50
